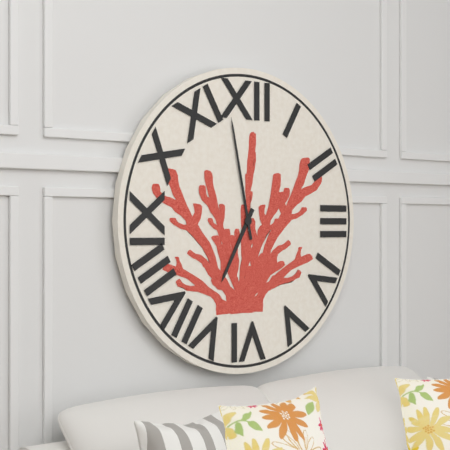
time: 6:58
